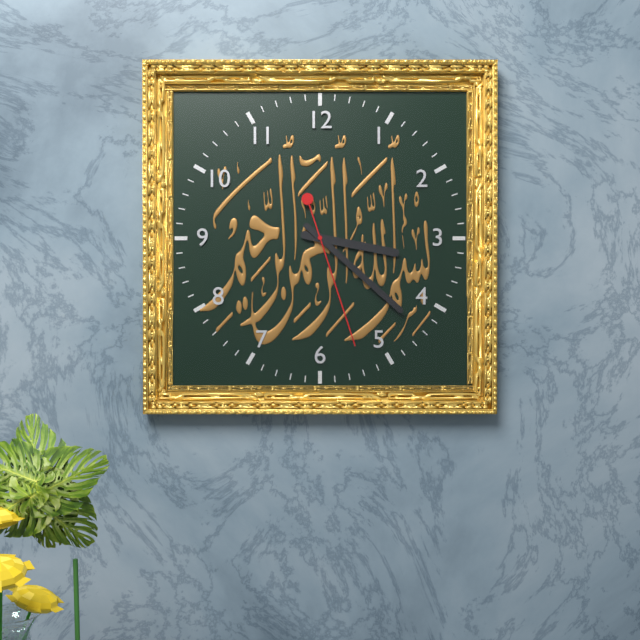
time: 3:22:27
